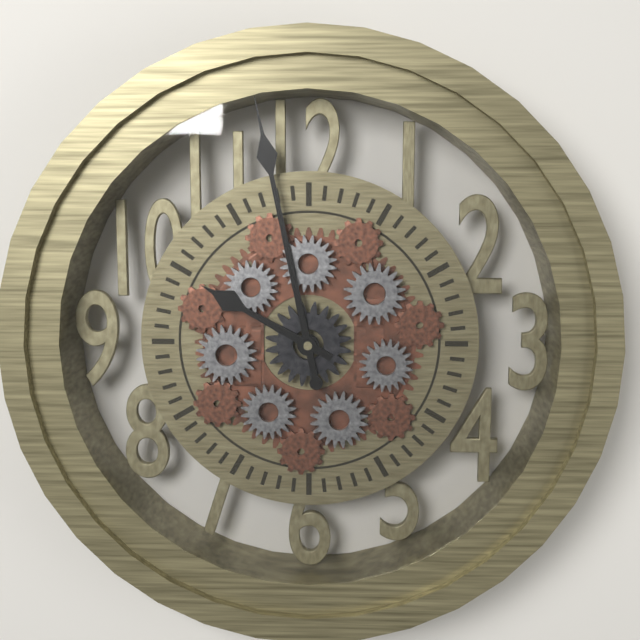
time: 9:58
